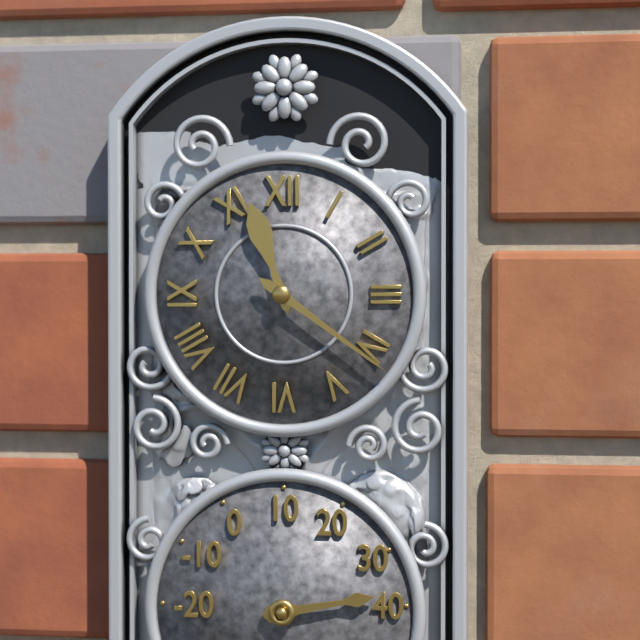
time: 11:21
